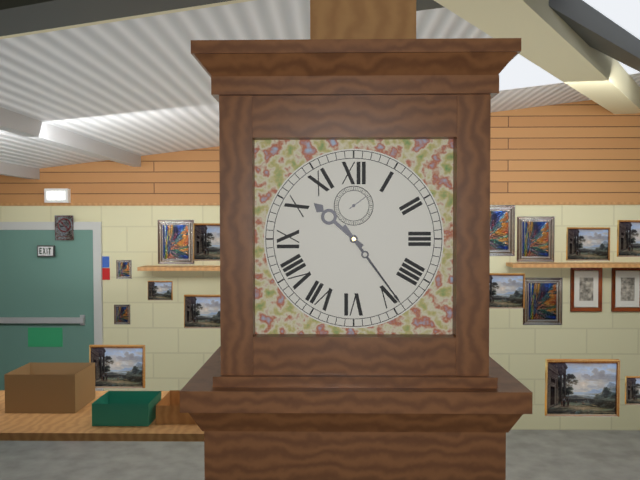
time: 10:24
